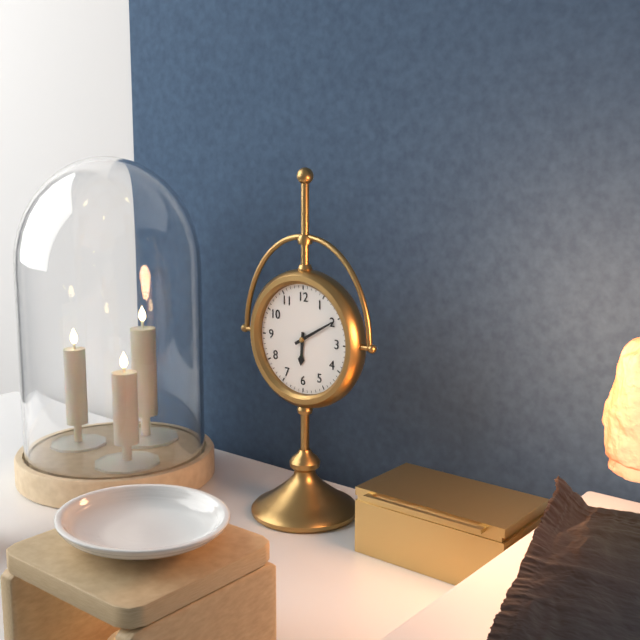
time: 6:10
